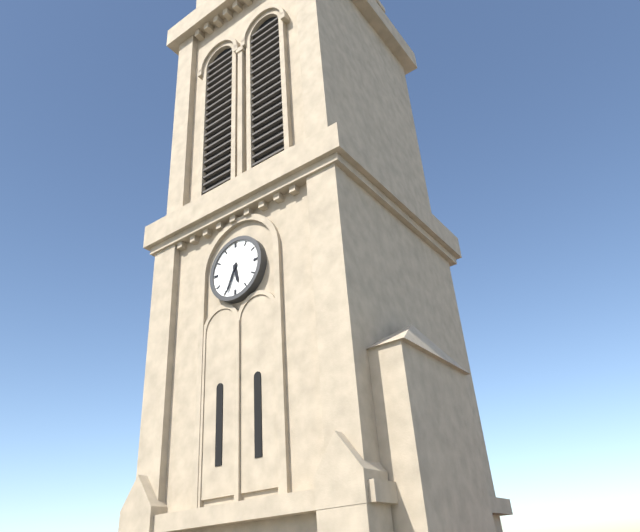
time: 5:34
